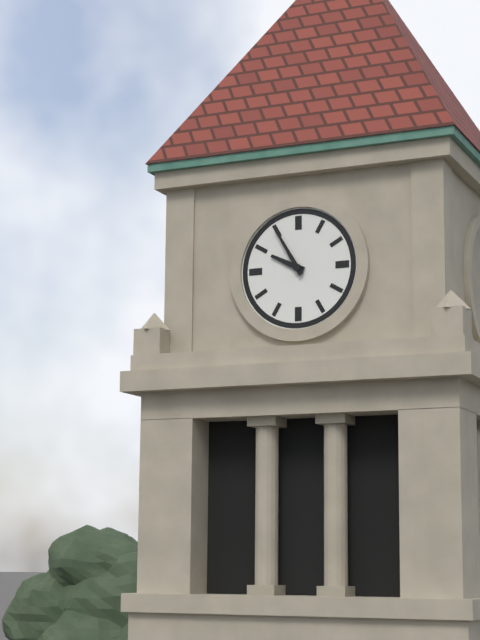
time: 9:55
